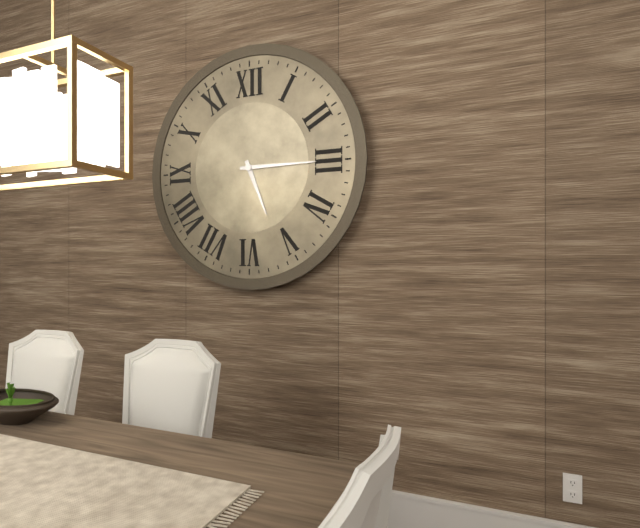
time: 5:15
